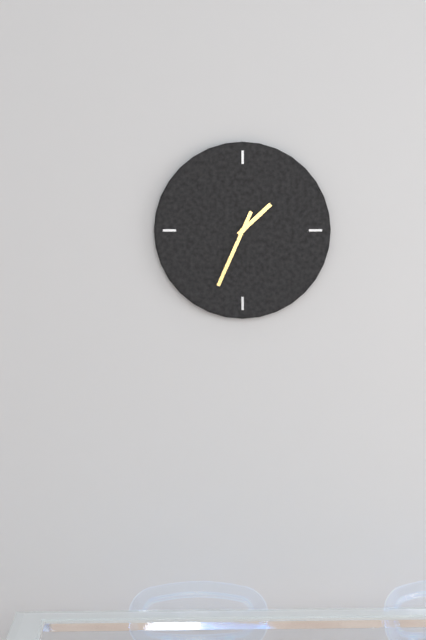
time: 1:34
